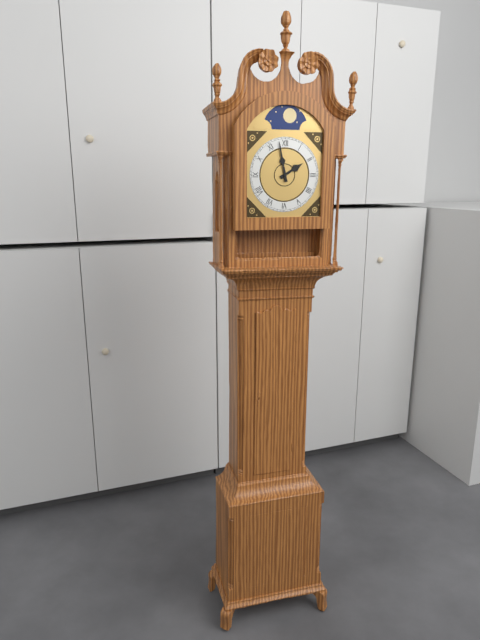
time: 1:58
